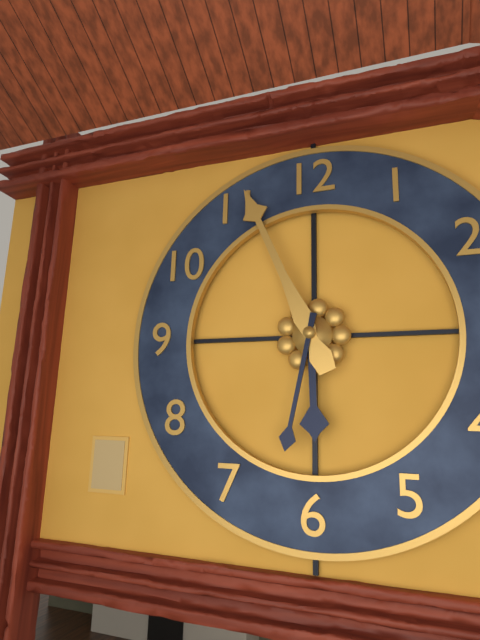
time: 5:56:32
